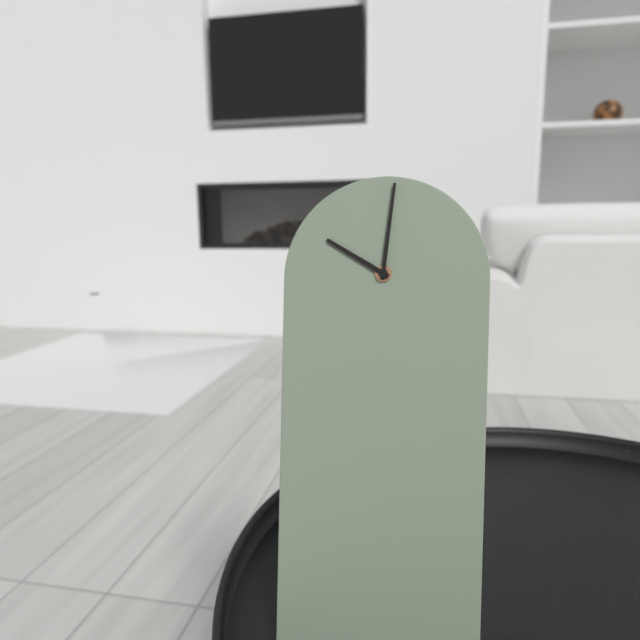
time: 10:01
